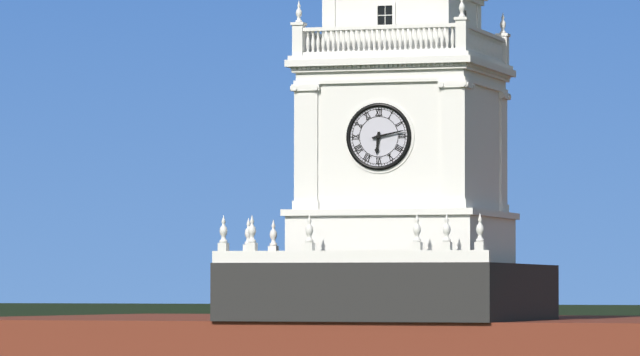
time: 6:13
